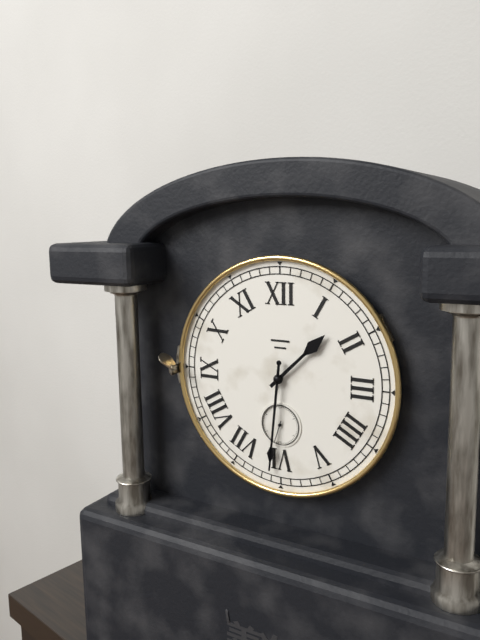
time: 1:31
